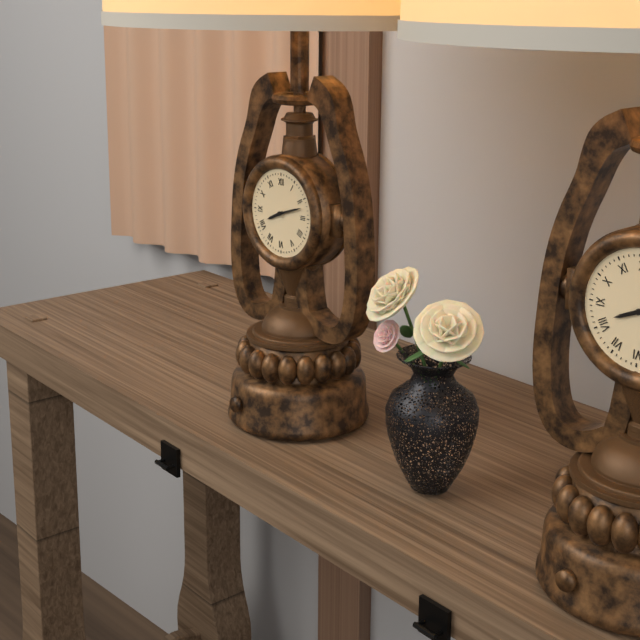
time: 8:12
